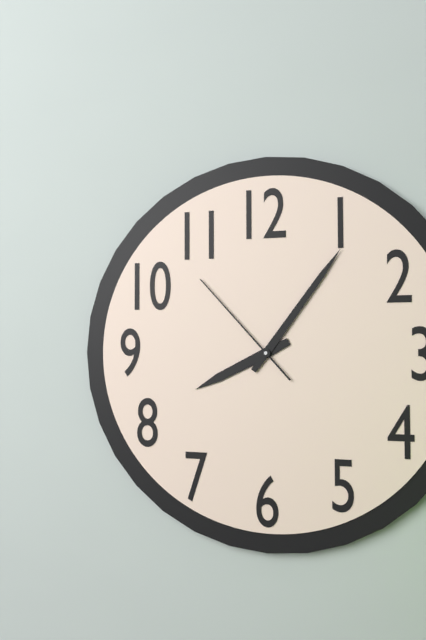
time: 8:06:53
